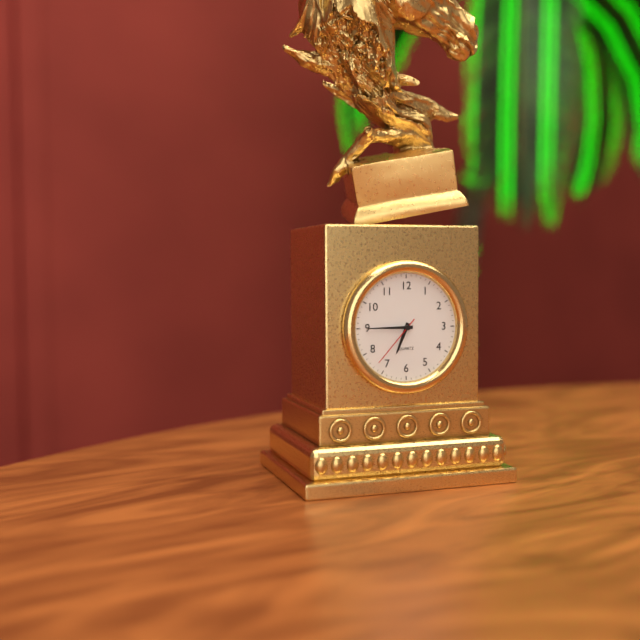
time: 6:45:37
